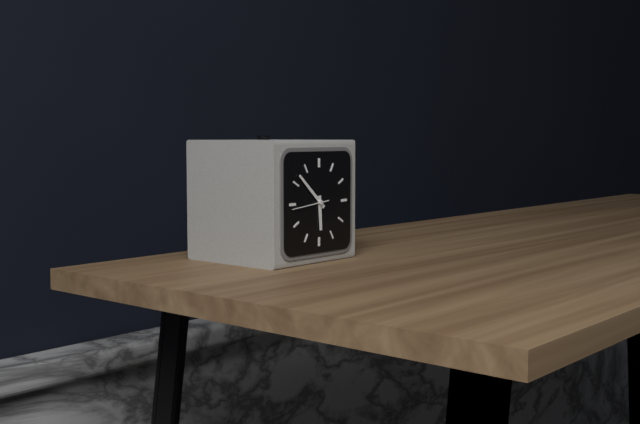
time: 5:52
